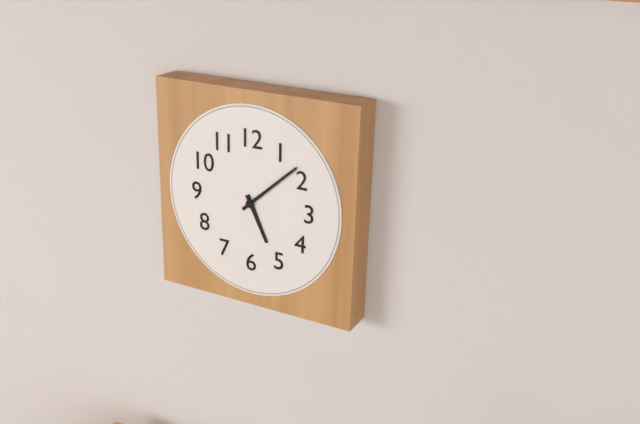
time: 5:08
